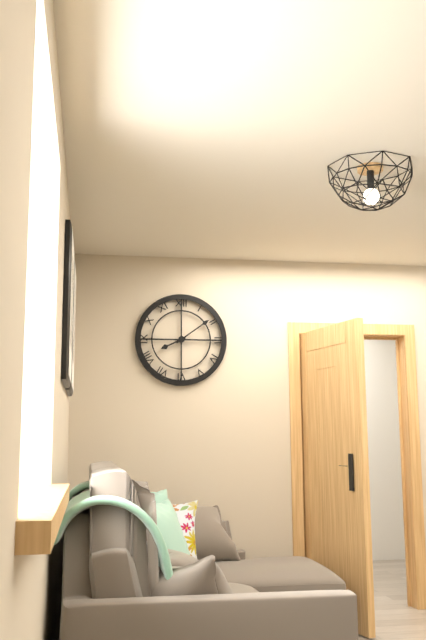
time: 8:09
